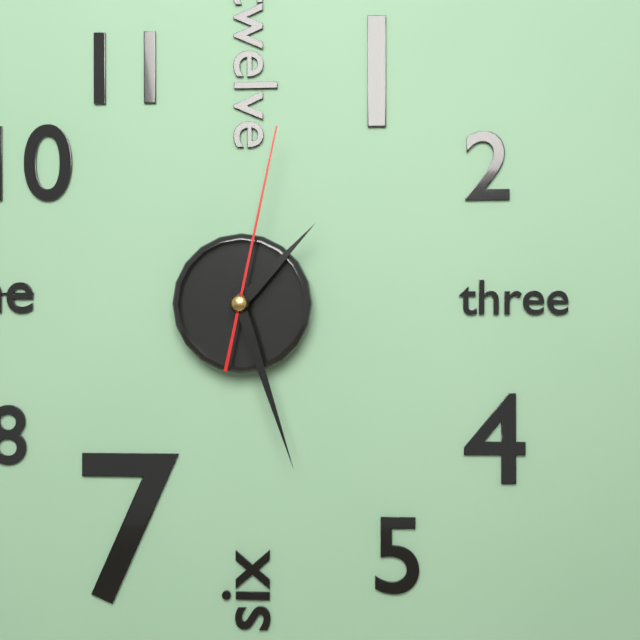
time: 1:27:02
